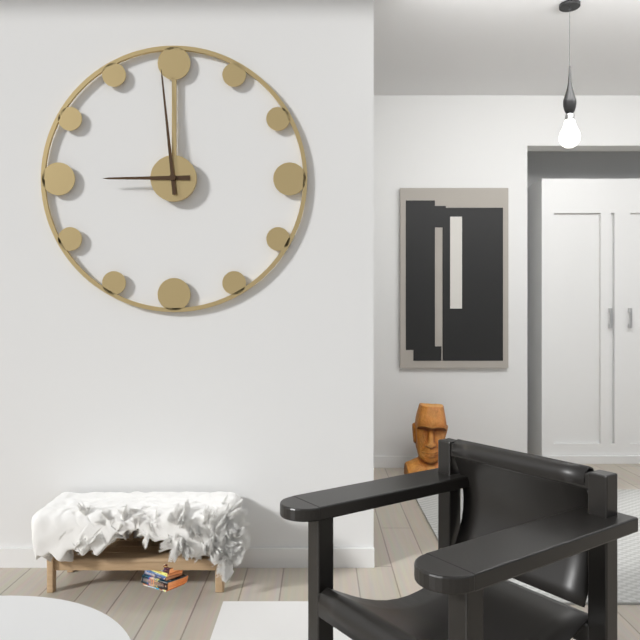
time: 8:59
